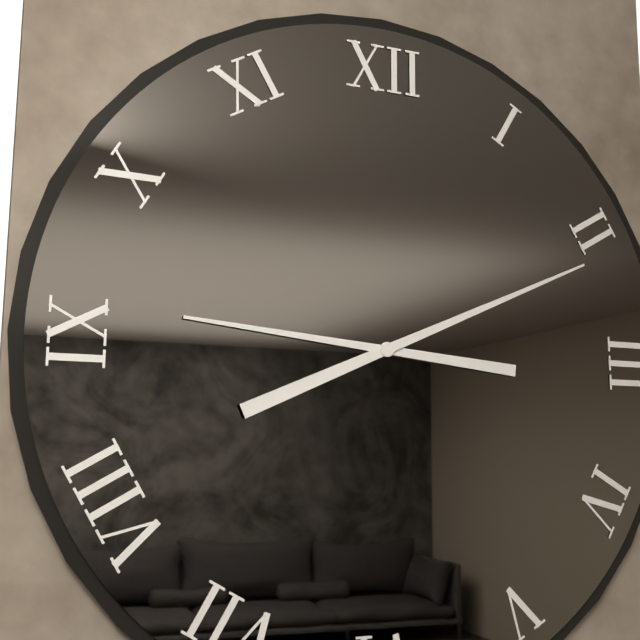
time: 9:11
